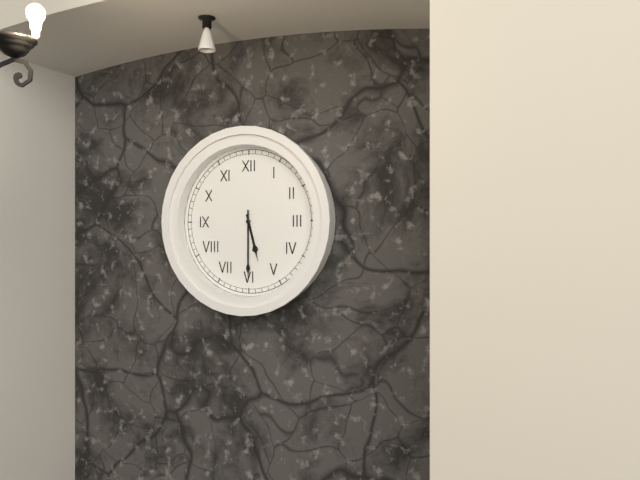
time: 5:30
